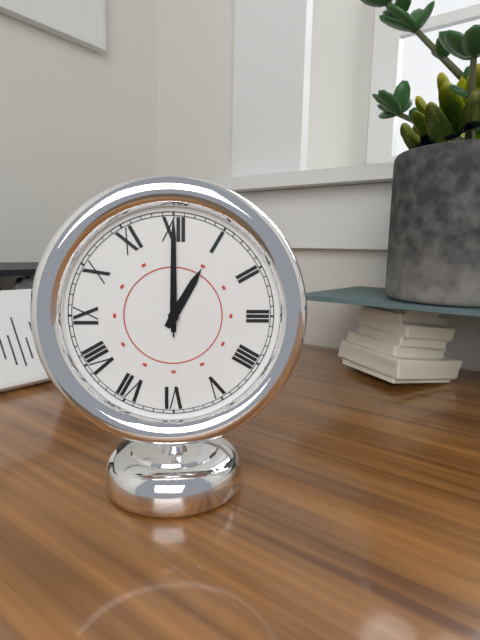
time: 1:00:00
